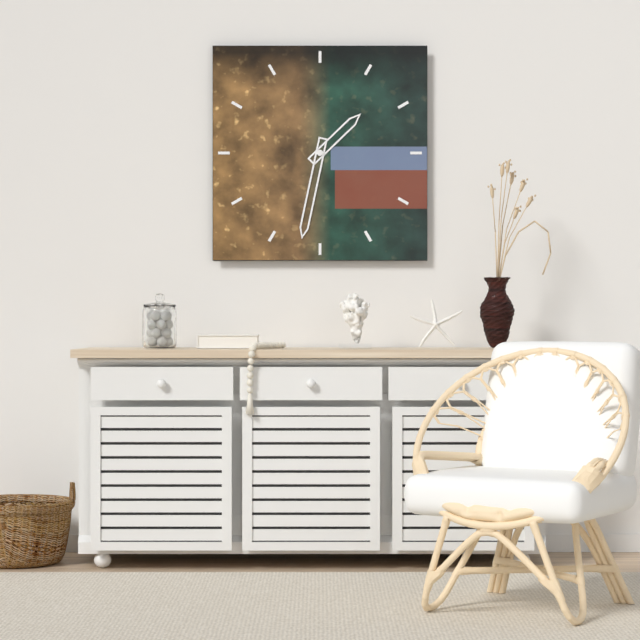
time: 1:32
